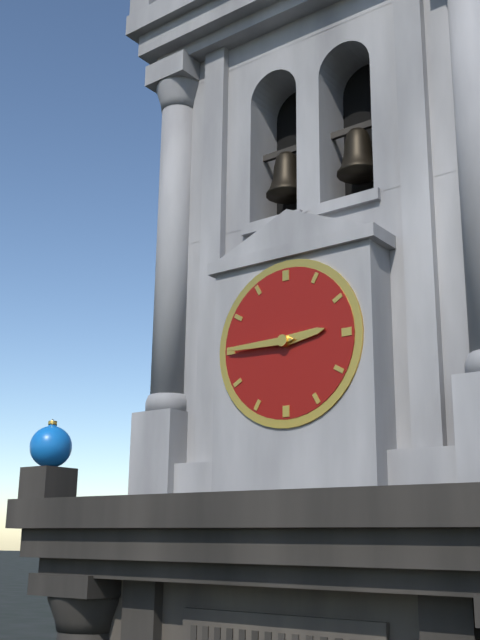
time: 2:45
